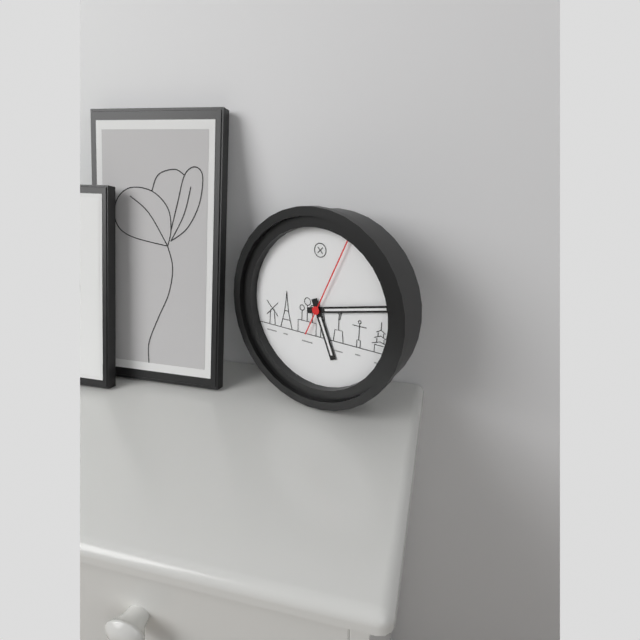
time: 5:13:04
